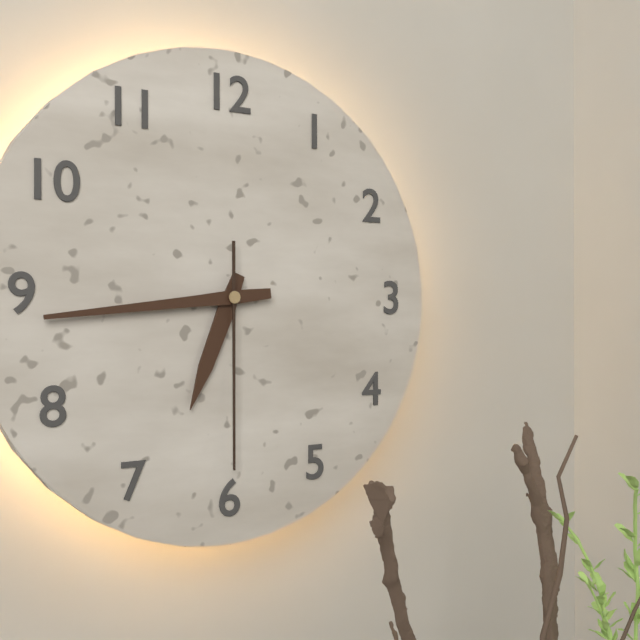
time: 6:44:30
